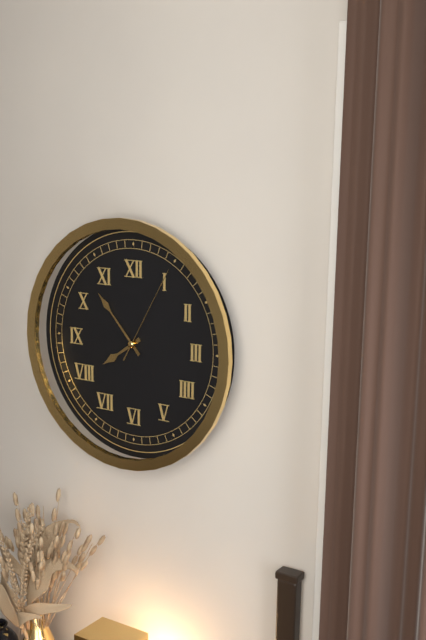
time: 7:53:05
